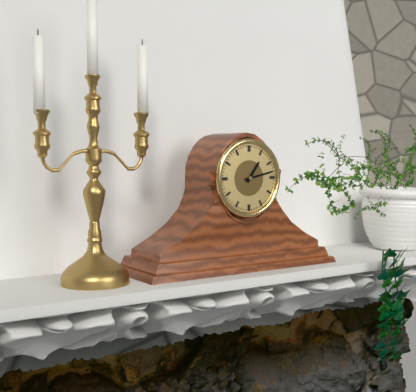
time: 1:13
